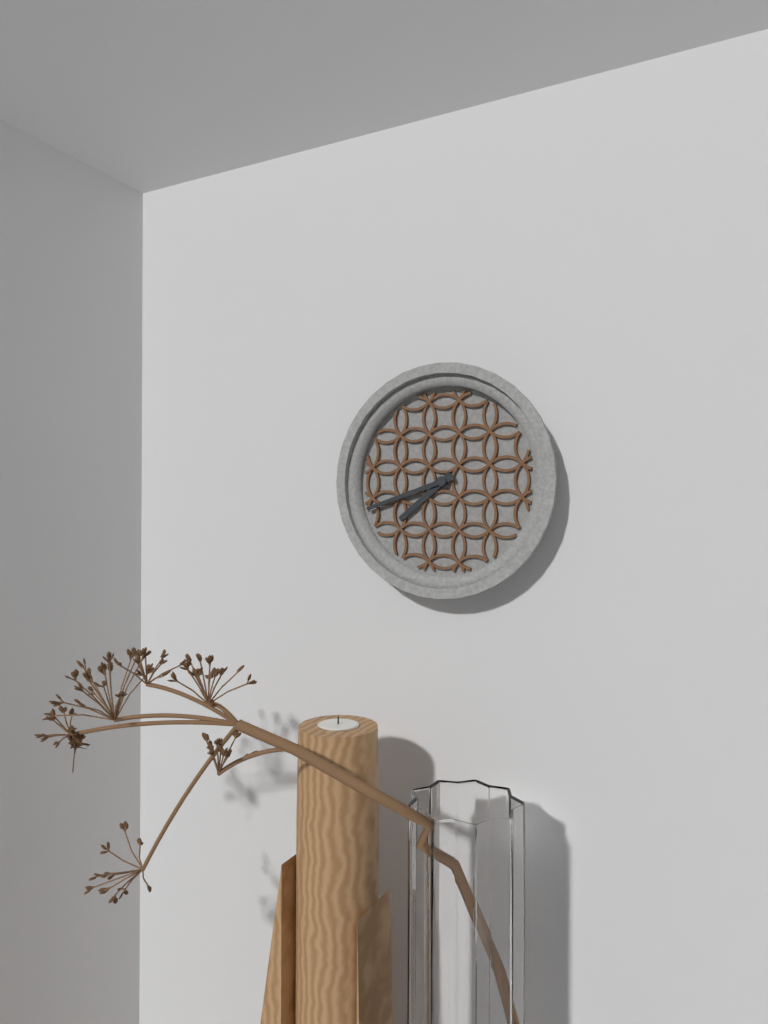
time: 7:42
